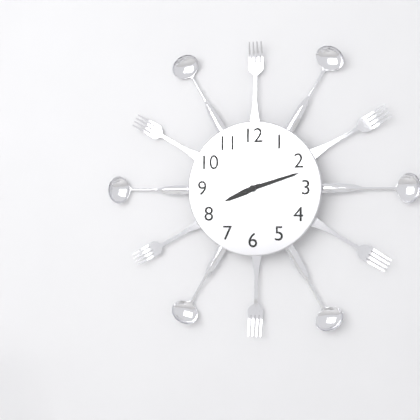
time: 8:12
